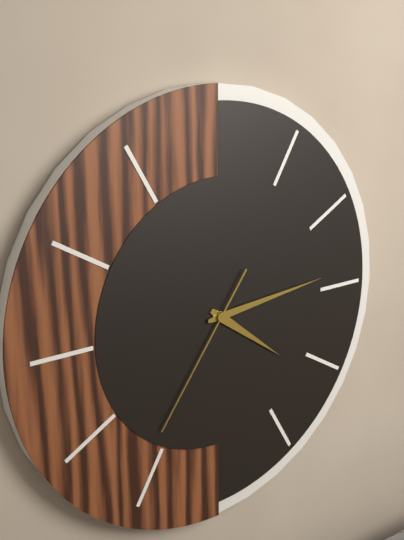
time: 4:14:36
